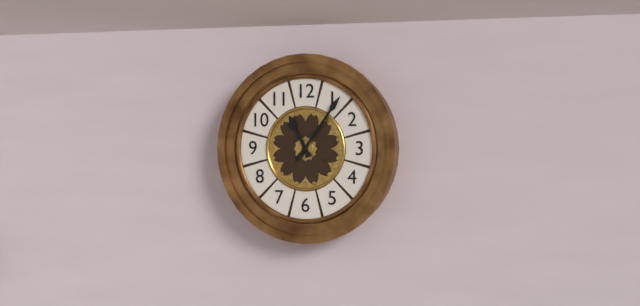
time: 11:06
